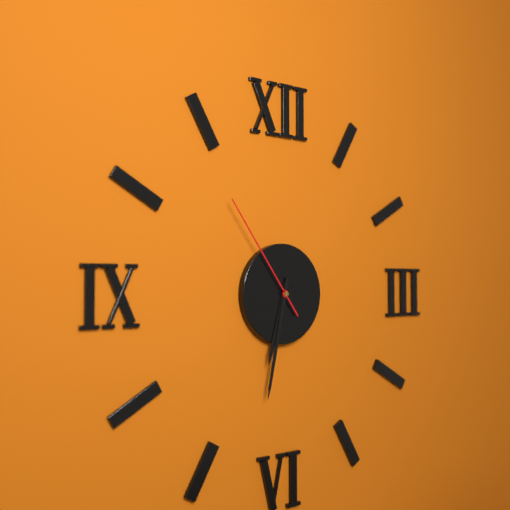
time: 6:32:54
